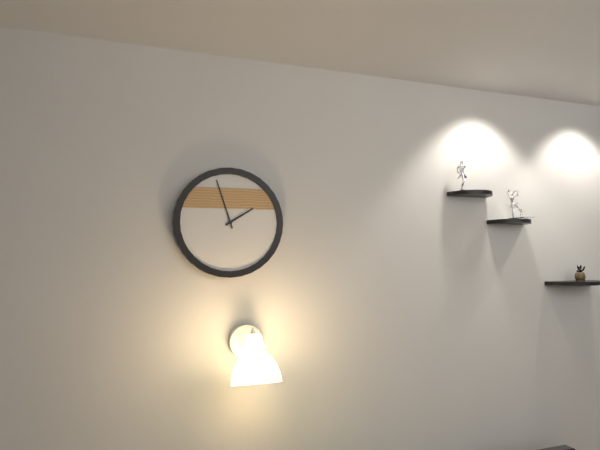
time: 1:57
